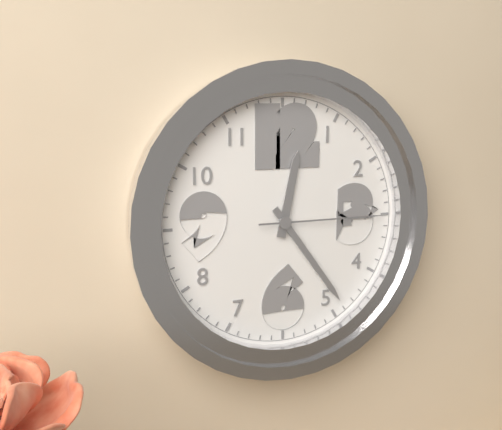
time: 12:24:15
